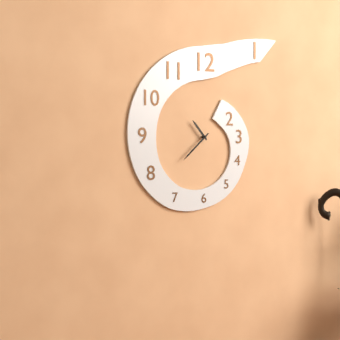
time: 10:38
